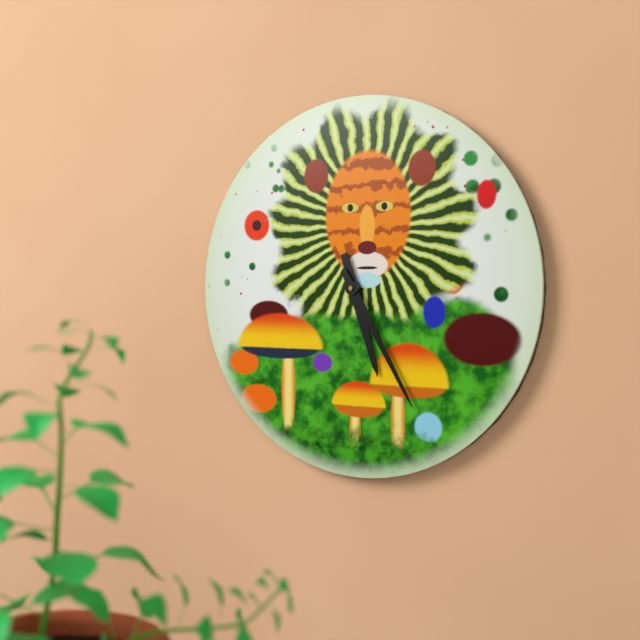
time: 5:25
